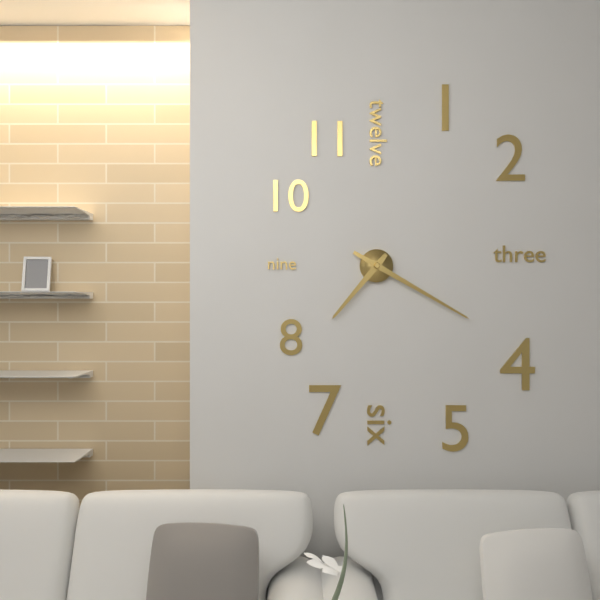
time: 7:20
